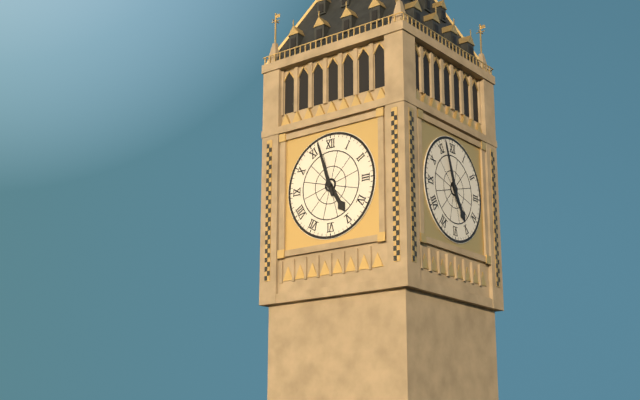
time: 4:57
